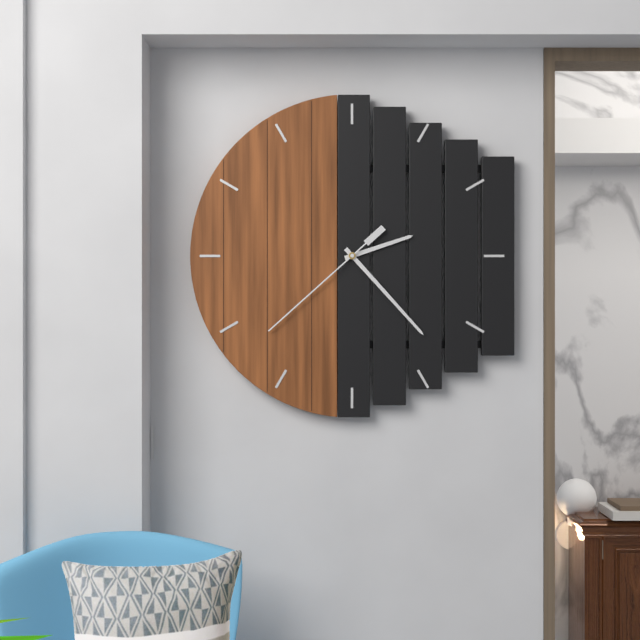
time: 2:23:38
